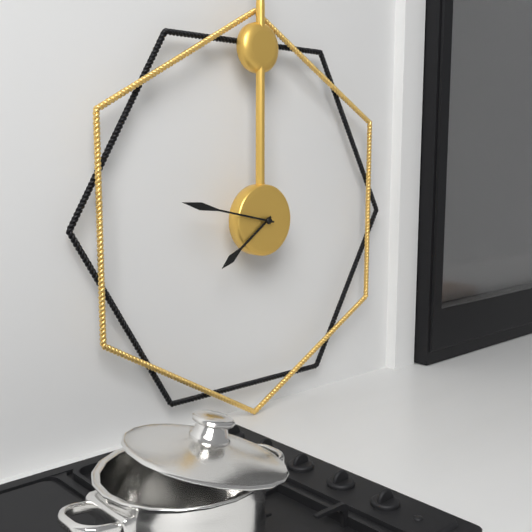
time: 7:47
